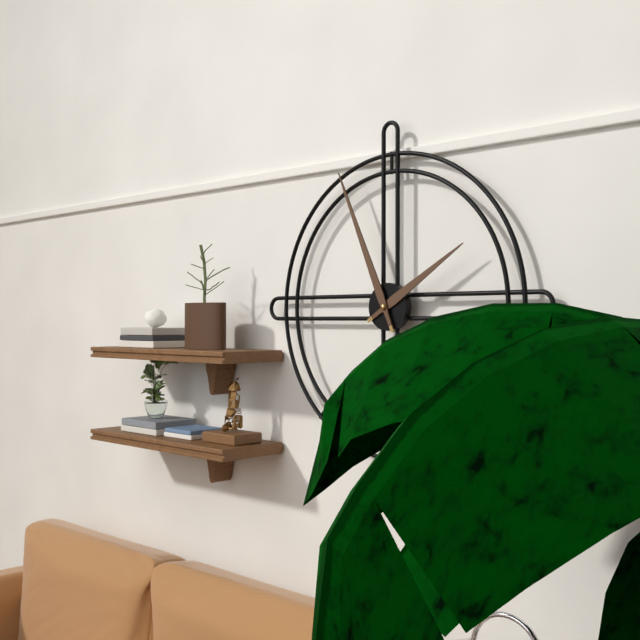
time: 1:56
